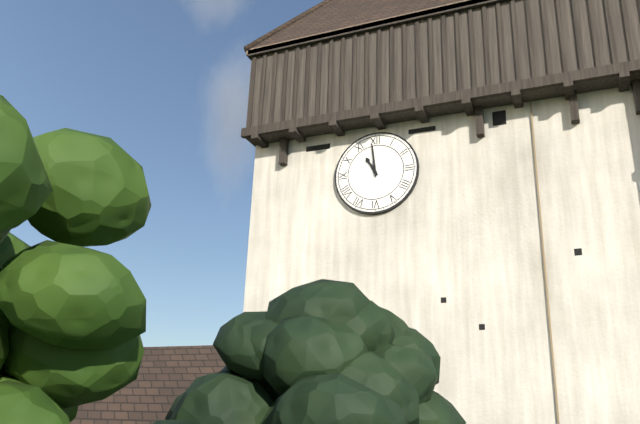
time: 10:59
